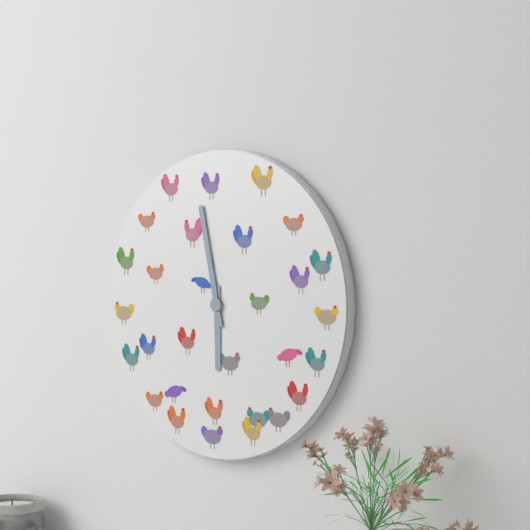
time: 5:58
